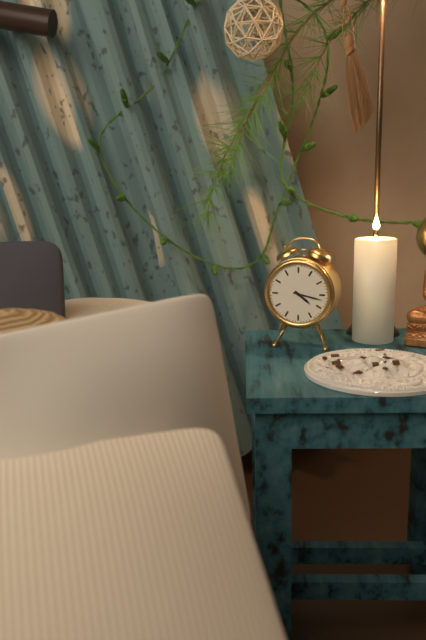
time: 4:17
